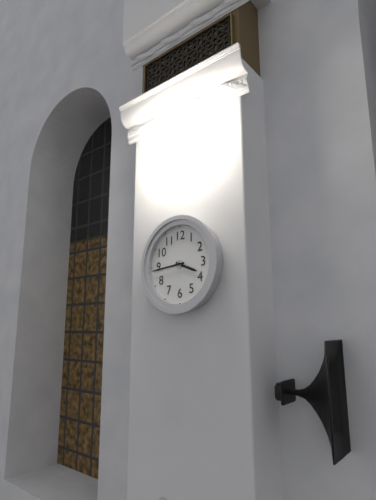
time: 3:44
